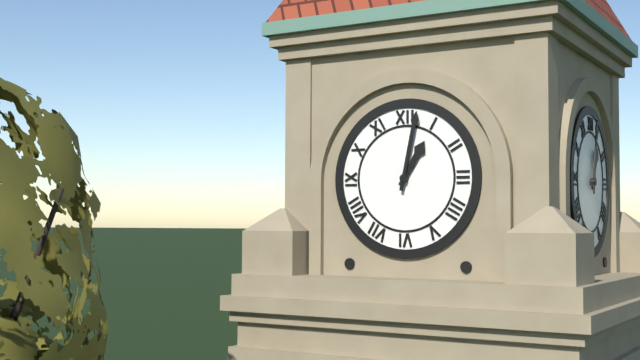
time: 1:02
